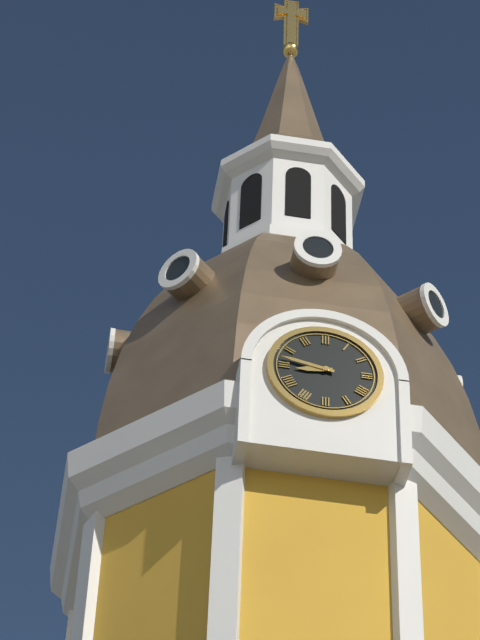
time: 8:47
